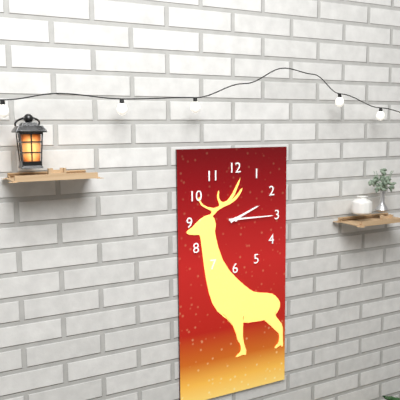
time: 2:15
